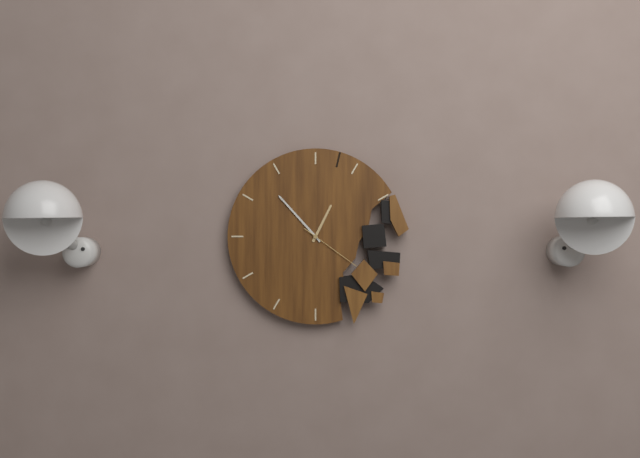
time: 12:53:21
